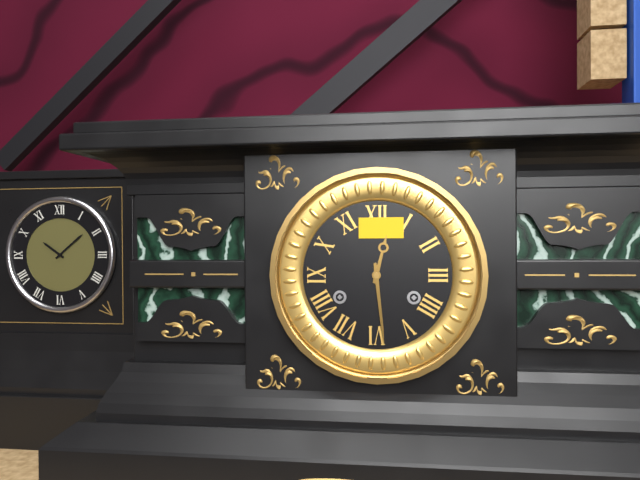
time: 12:29
